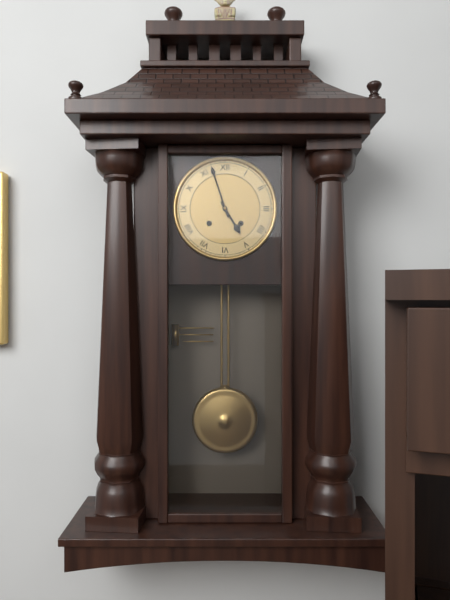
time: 4:57
